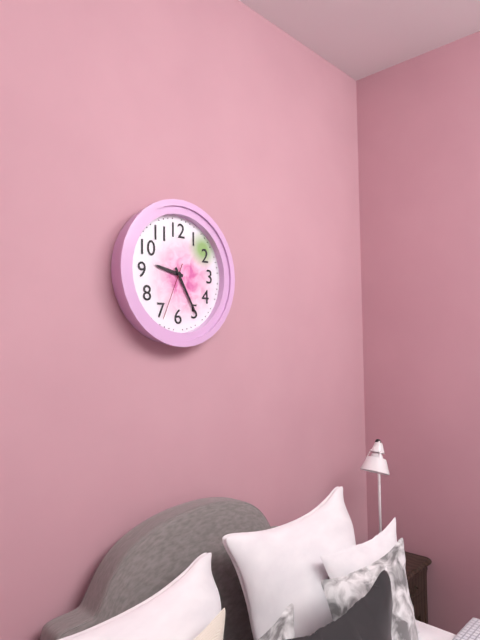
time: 9:25:34
